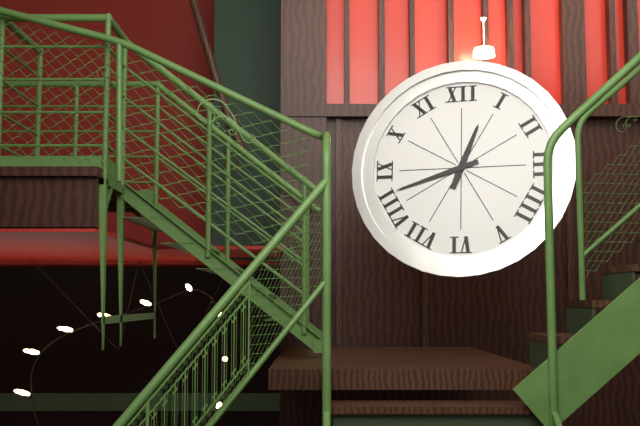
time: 12:42
